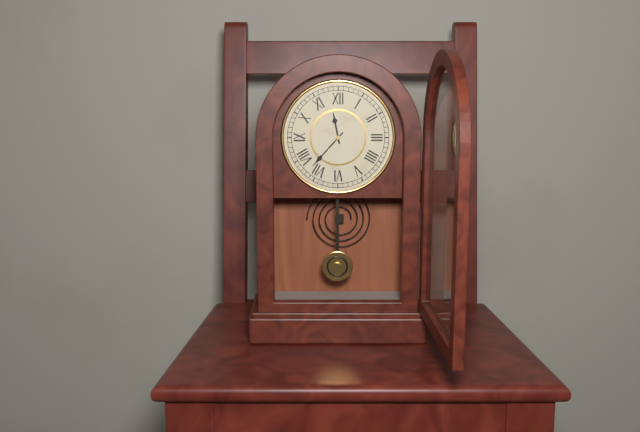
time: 11:37
